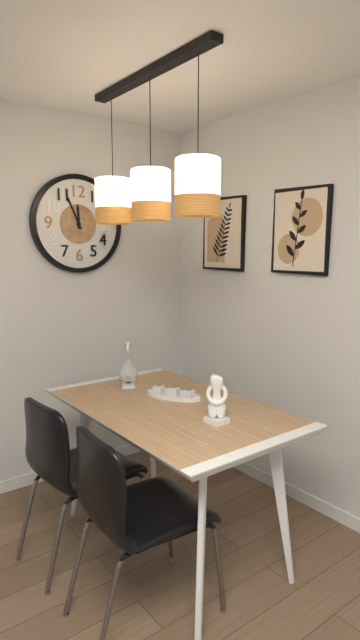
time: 11:56
